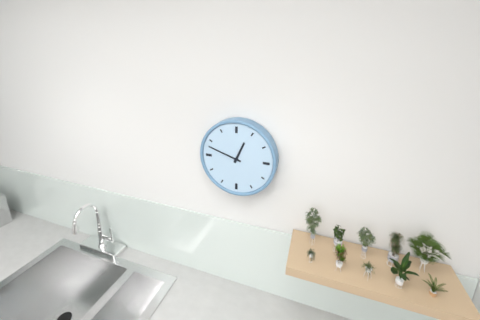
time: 12:48
